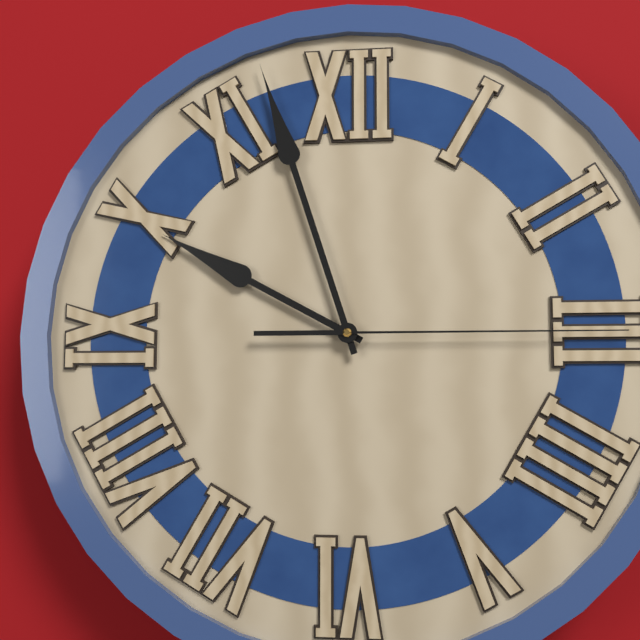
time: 9:57:15
